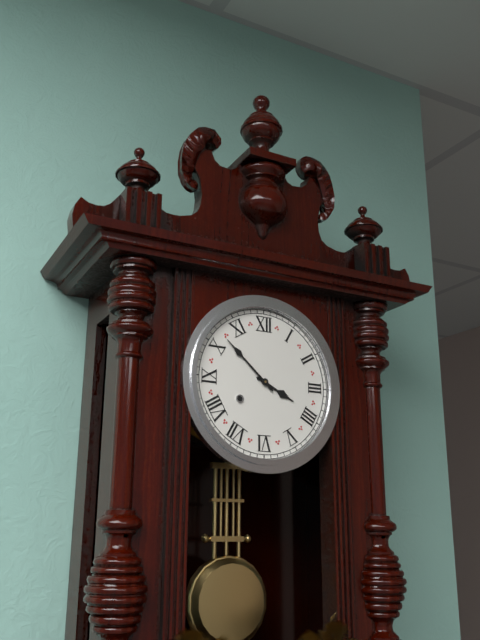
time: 3:52
